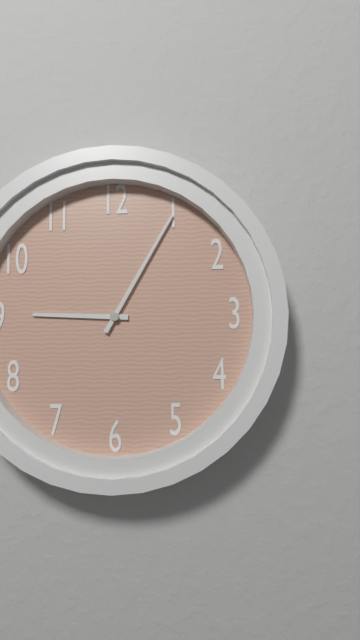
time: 9:05
